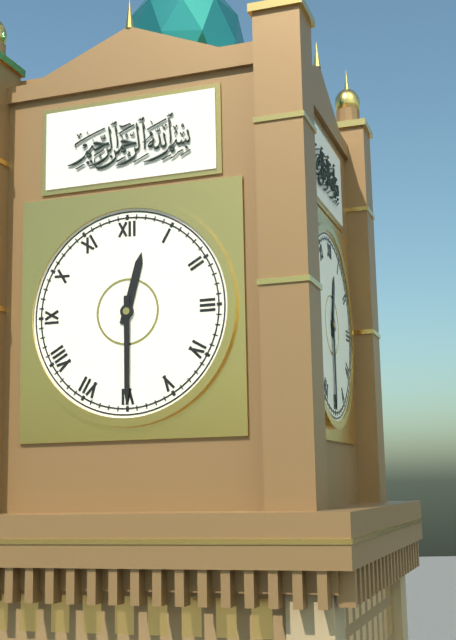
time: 12:30
